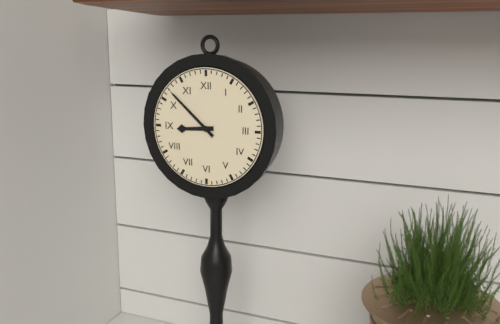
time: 8:52
